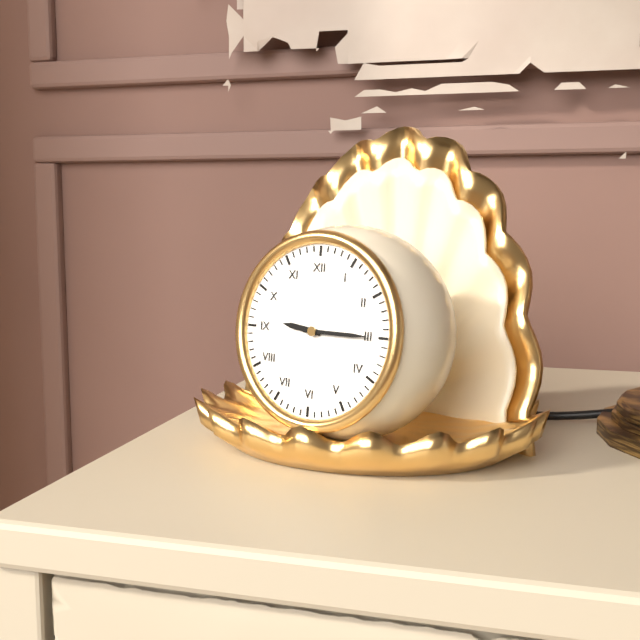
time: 9:15
